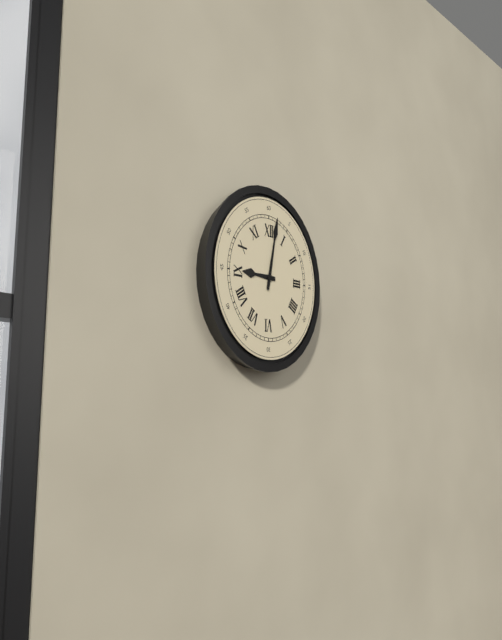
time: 9:02
